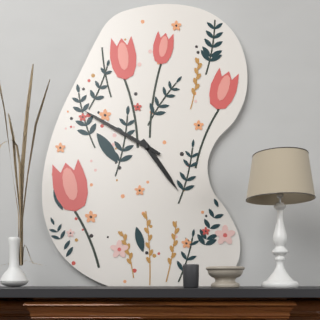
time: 4:50
